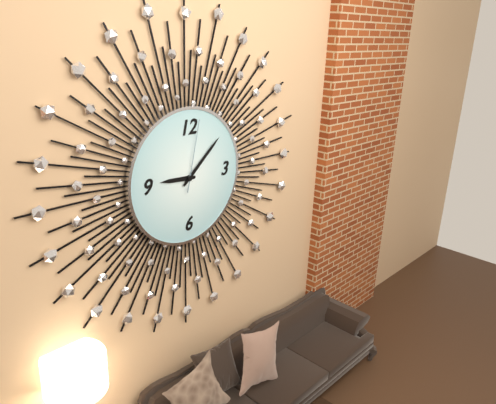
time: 9:08:02
